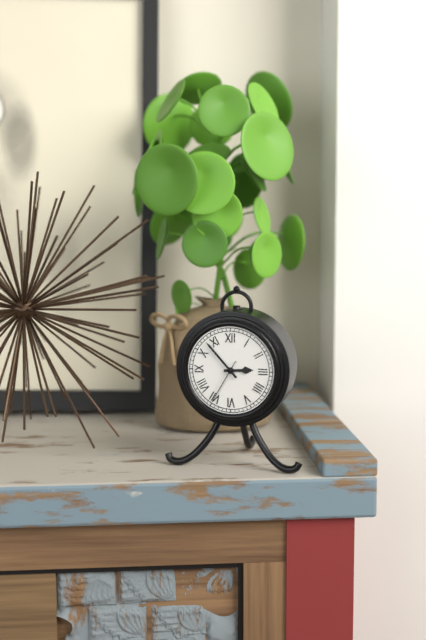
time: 2:53:35
